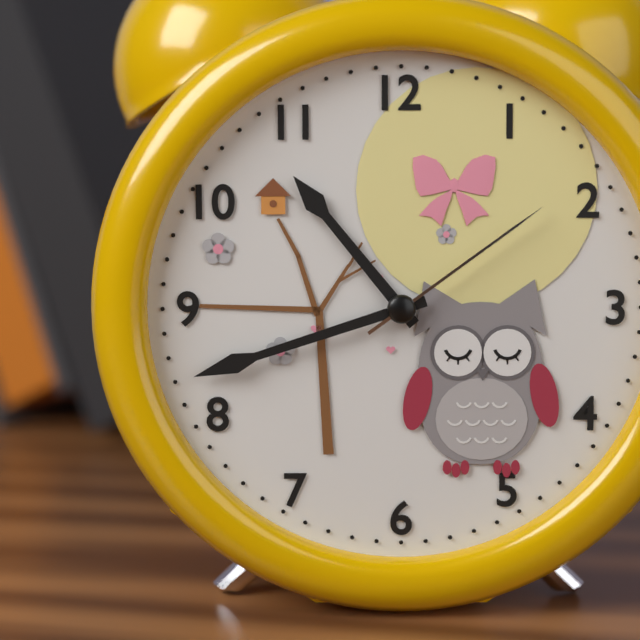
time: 10:42:09
